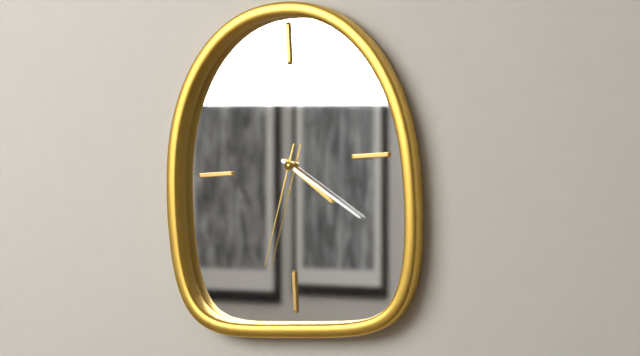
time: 4:21:33
